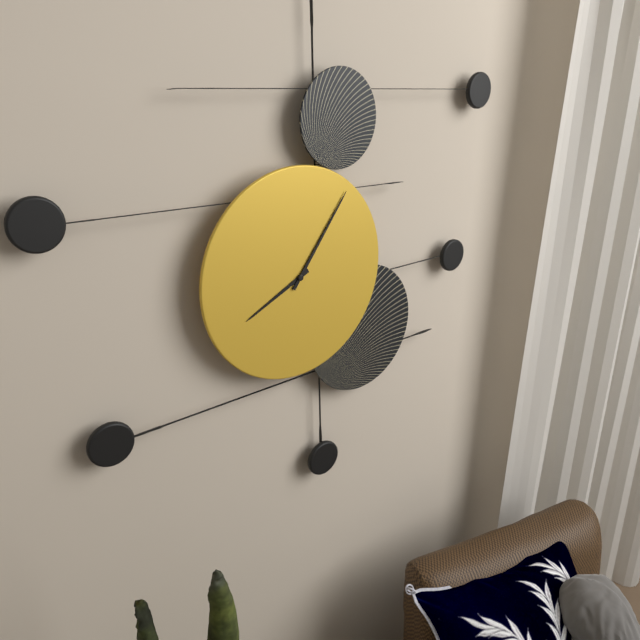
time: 8:06
